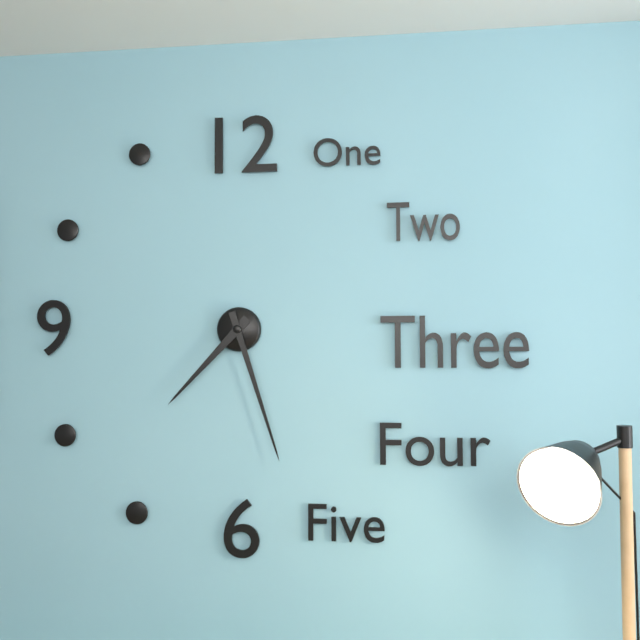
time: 7:27
